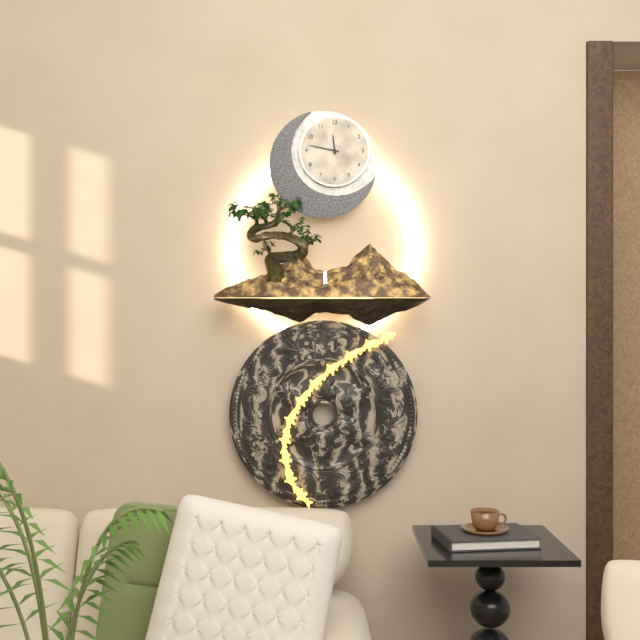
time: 11:47
